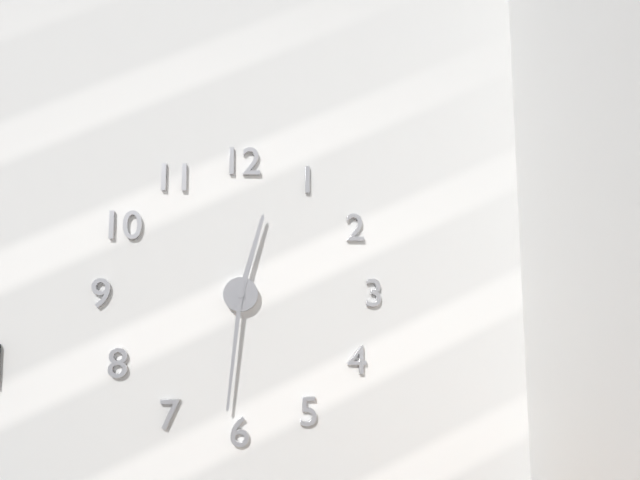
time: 12:31
